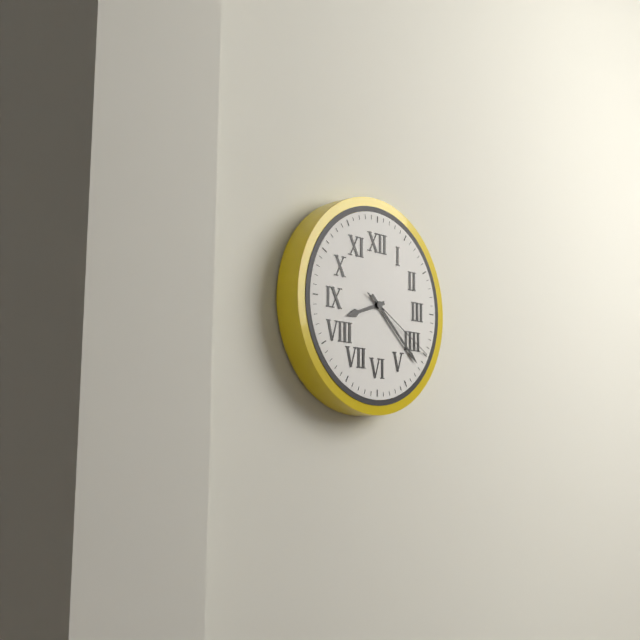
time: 8:22:20
